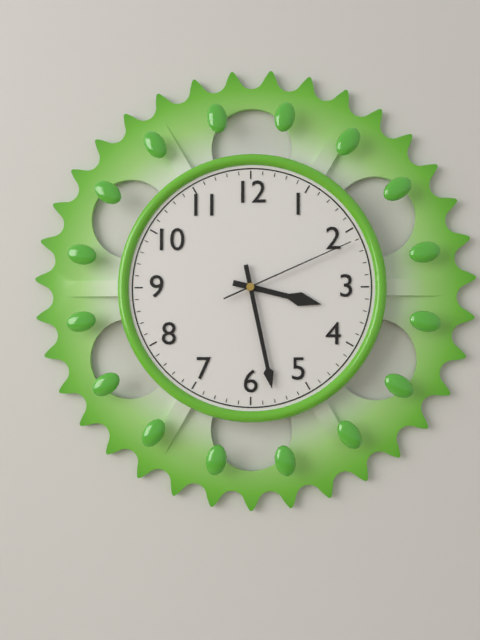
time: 3:28:11
